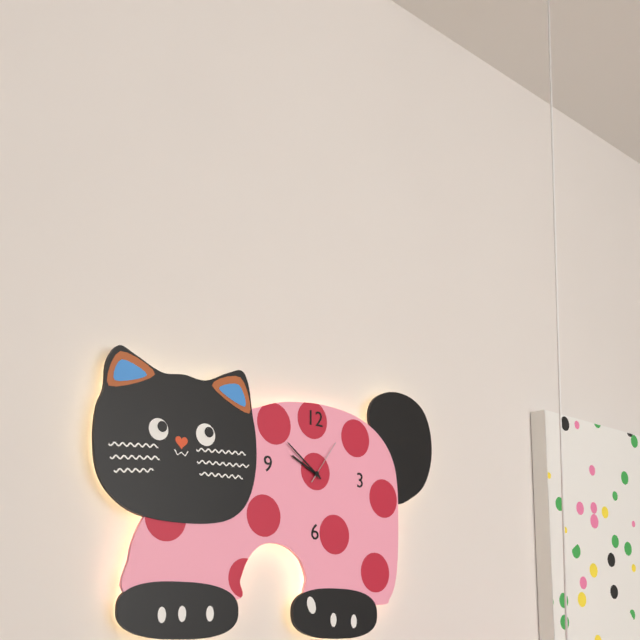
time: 9:51
